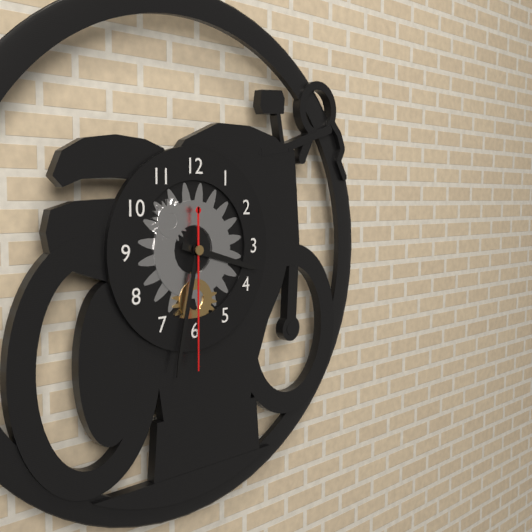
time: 3:32:30
